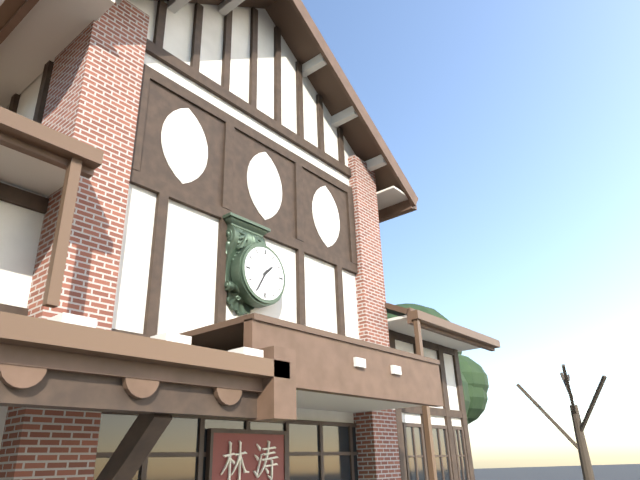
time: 1:35
